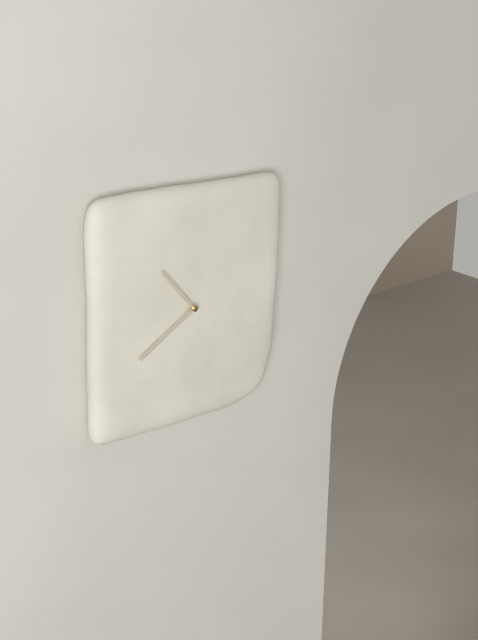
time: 10:40
